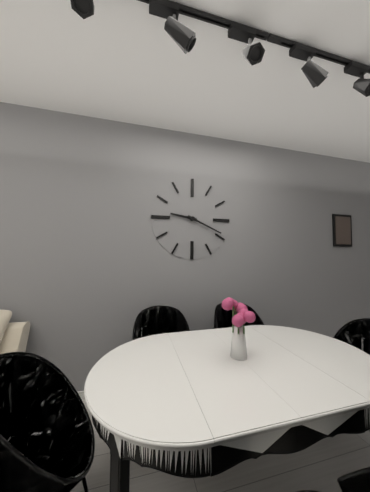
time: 9:19
